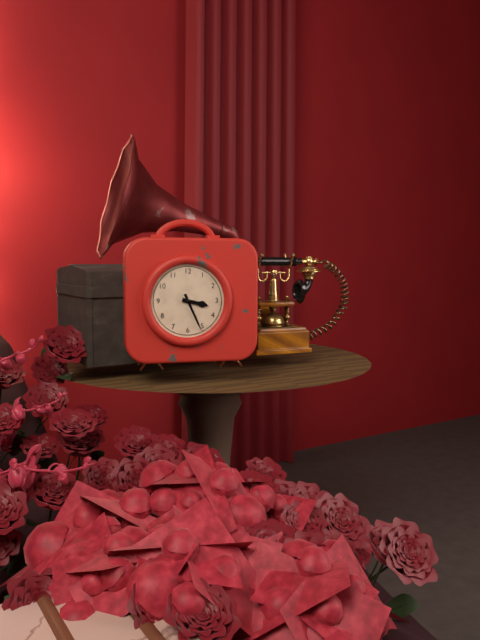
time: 3:26
